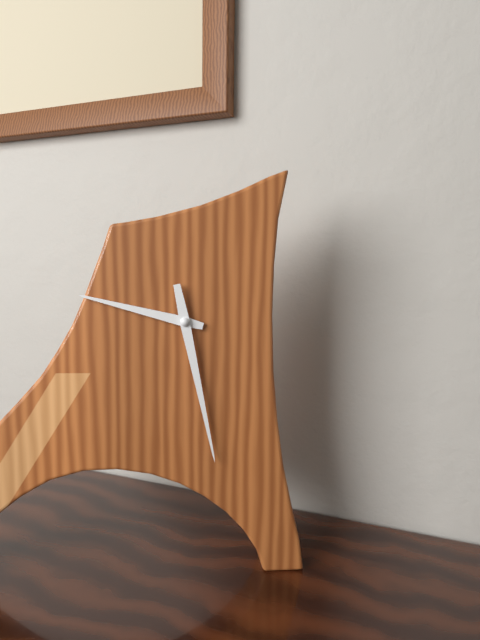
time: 9:28
